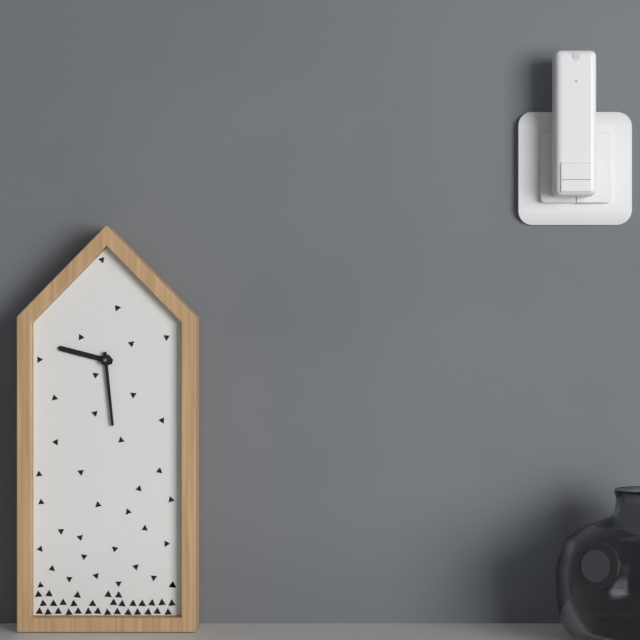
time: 9:29
